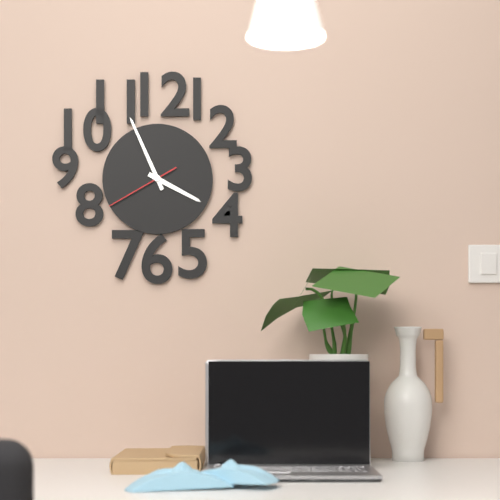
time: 3:56:40
